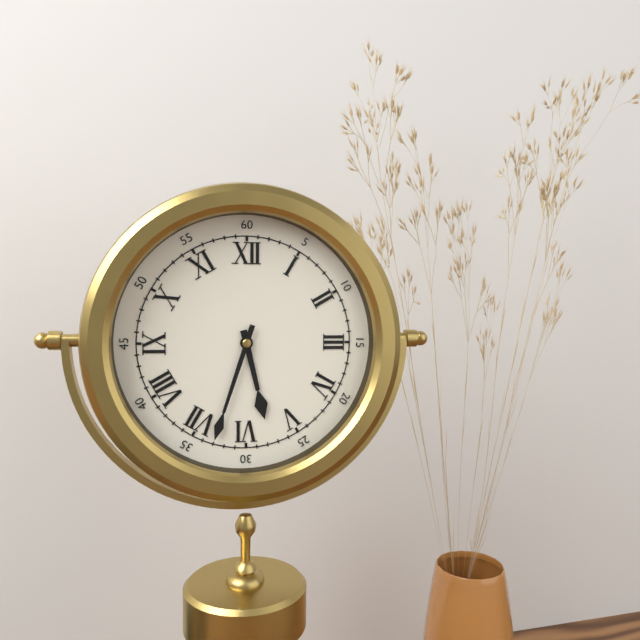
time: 5:33
